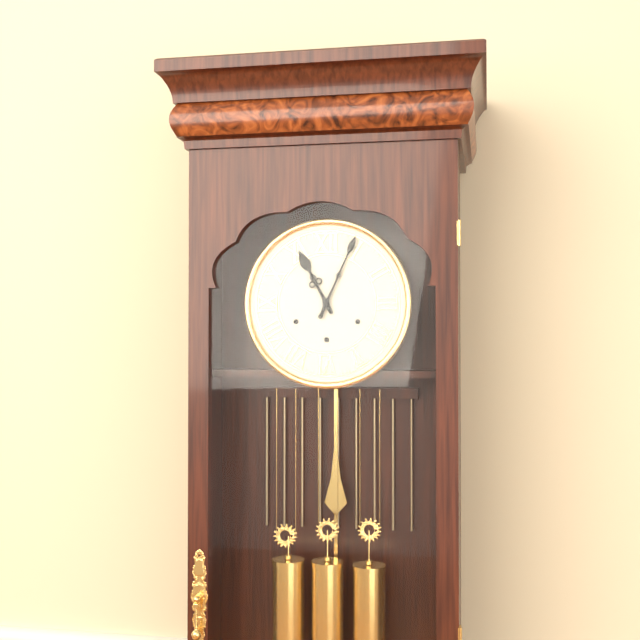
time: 11:04
